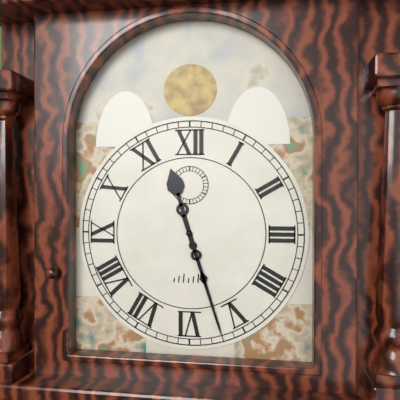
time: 11:27
